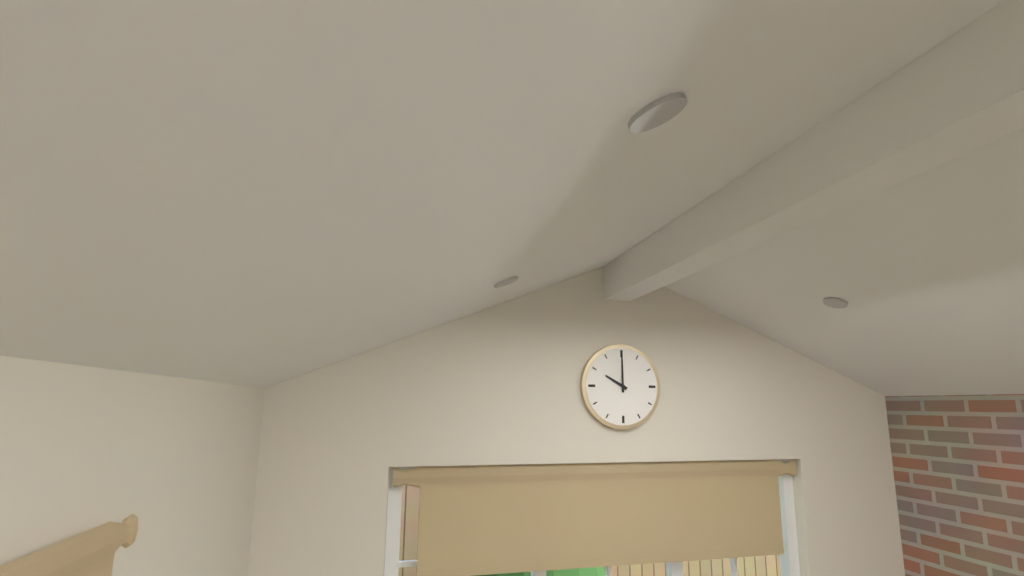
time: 10:00
